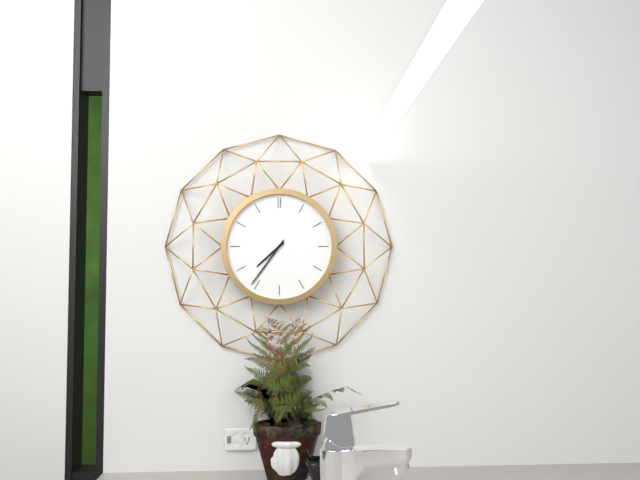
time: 7:36
